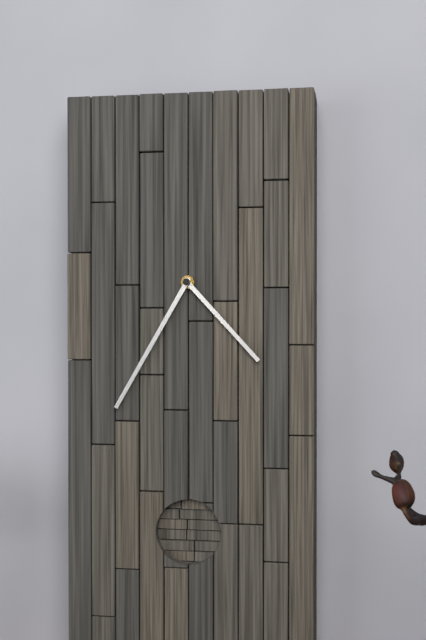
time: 4:35
